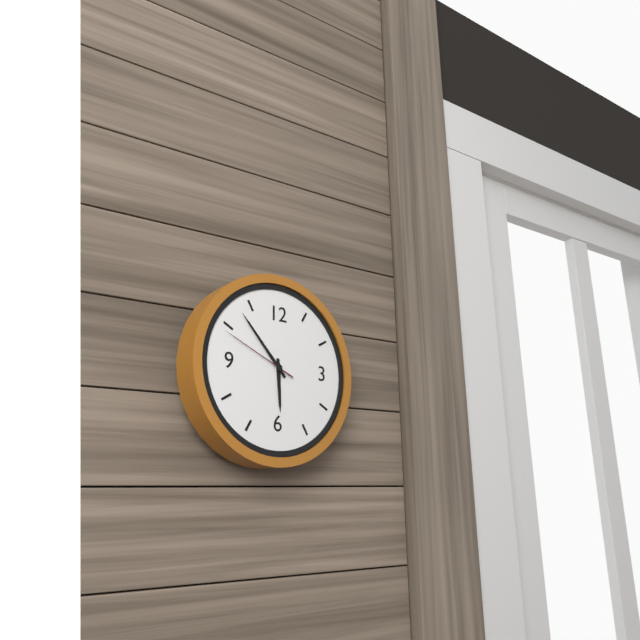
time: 5:53:49
